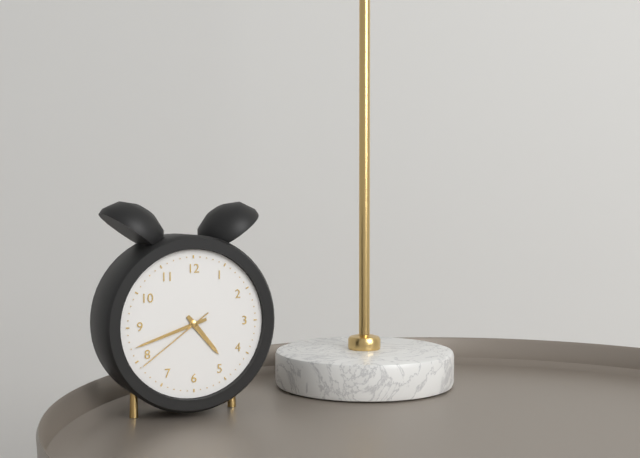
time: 4:42:39
